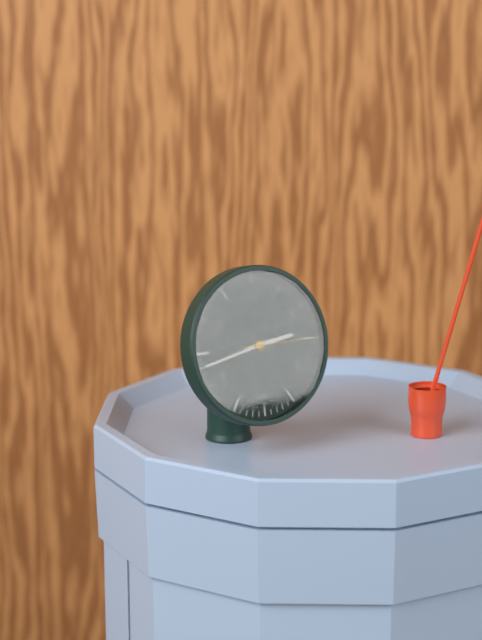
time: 2:43:15
